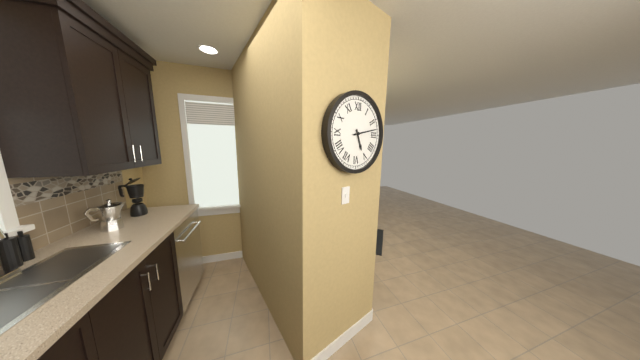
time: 5:13
